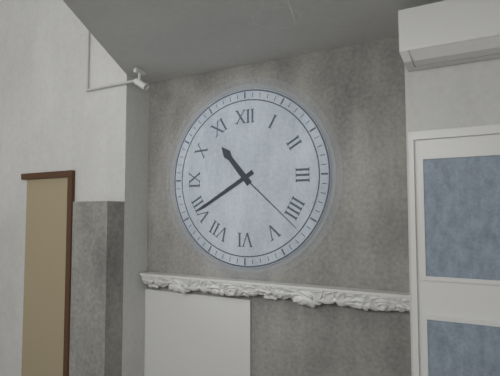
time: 10:40:22
